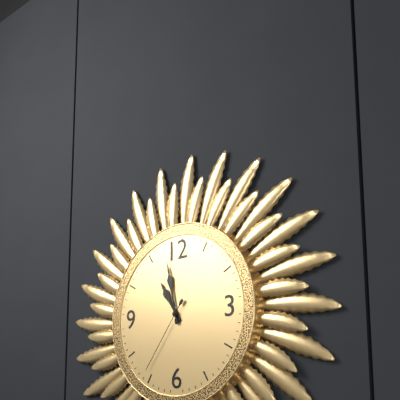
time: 10:58:36
